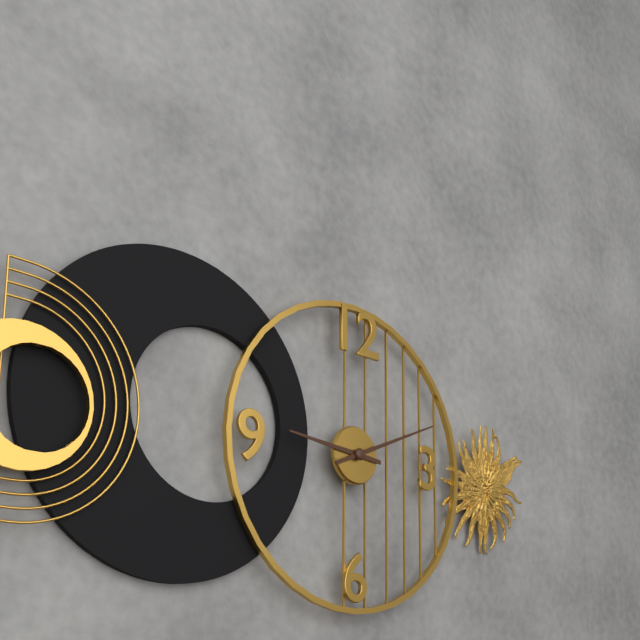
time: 9:11
